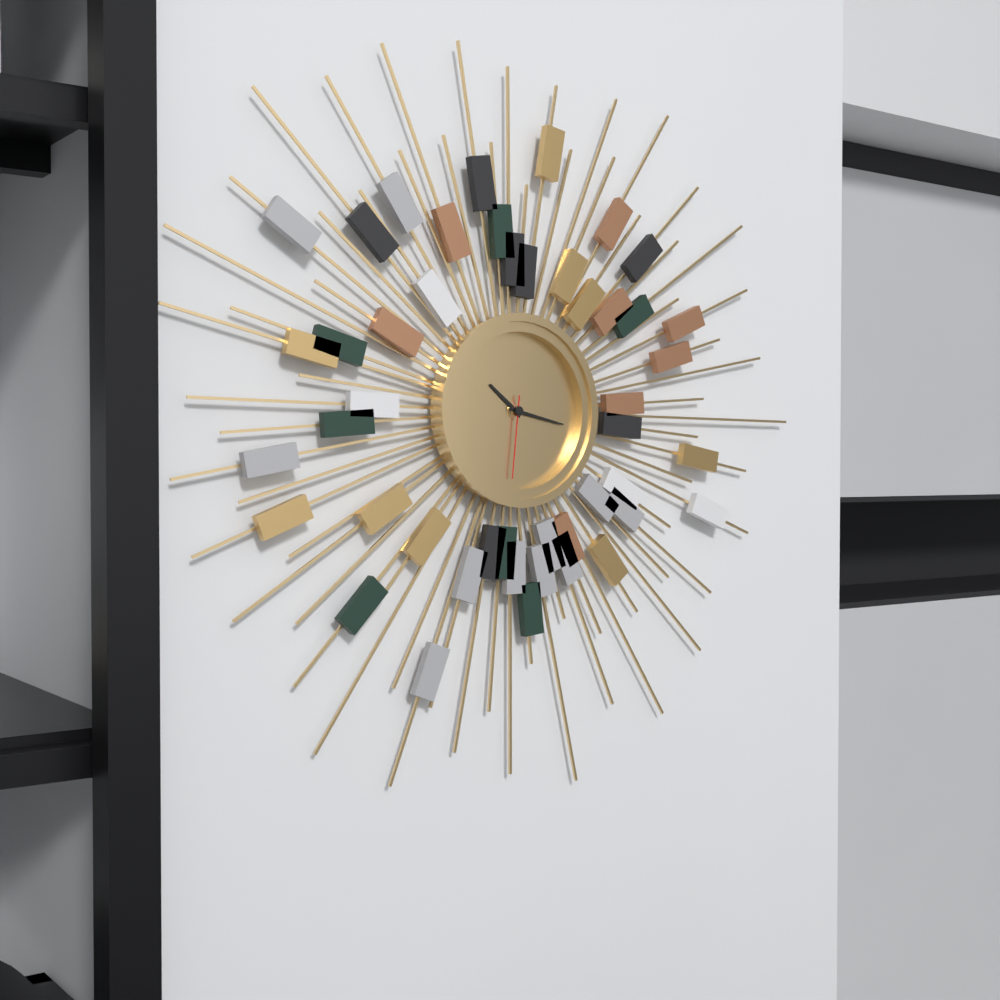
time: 10:17:31
